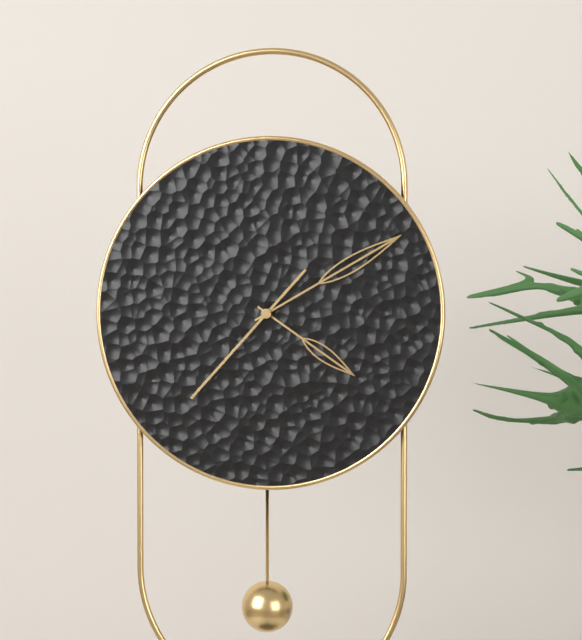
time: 4:10:37
